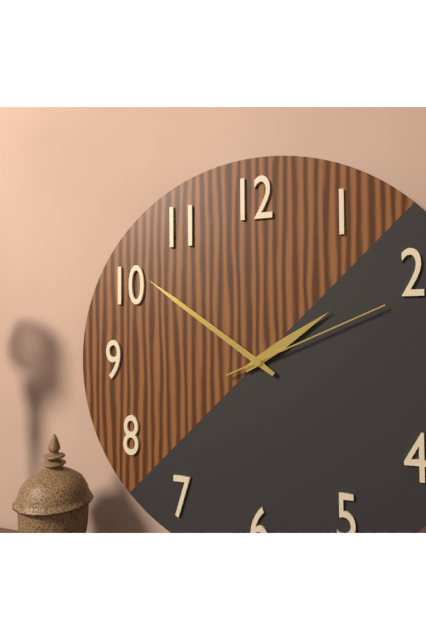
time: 1:51:11
